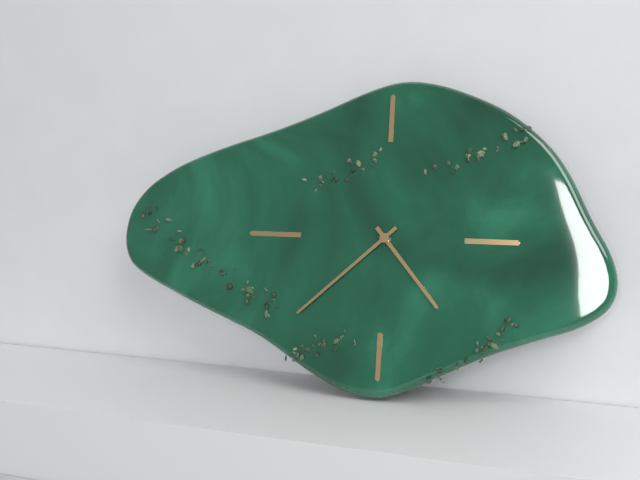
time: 4:38
